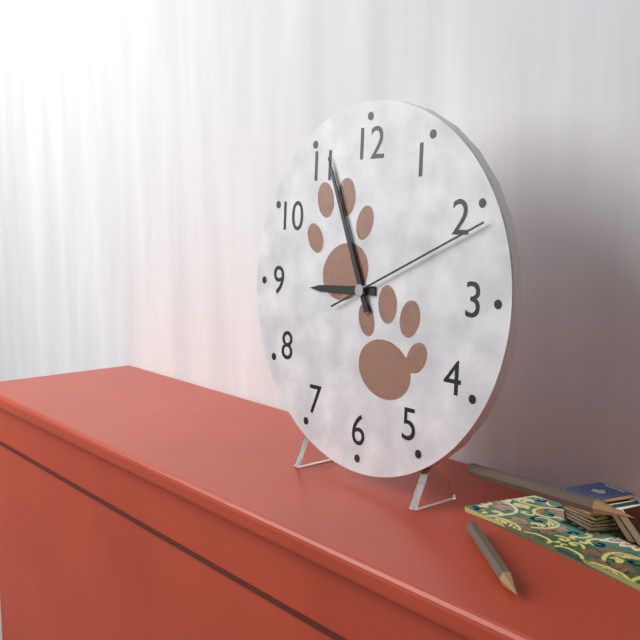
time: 8:56:11
